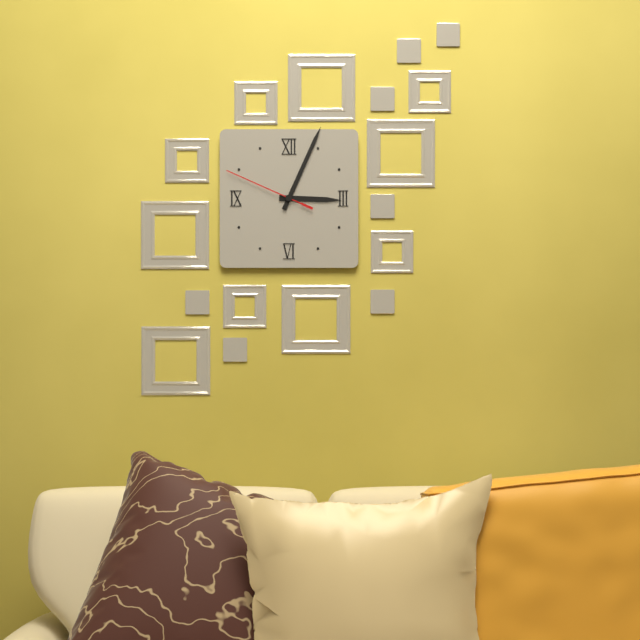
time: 3:04:49
